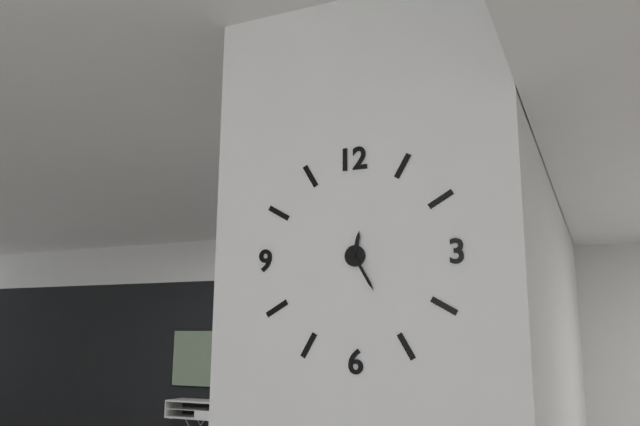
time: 12:25
